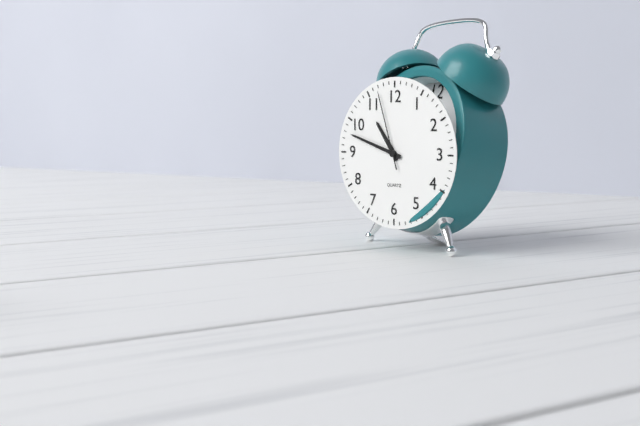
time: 10:48:57
